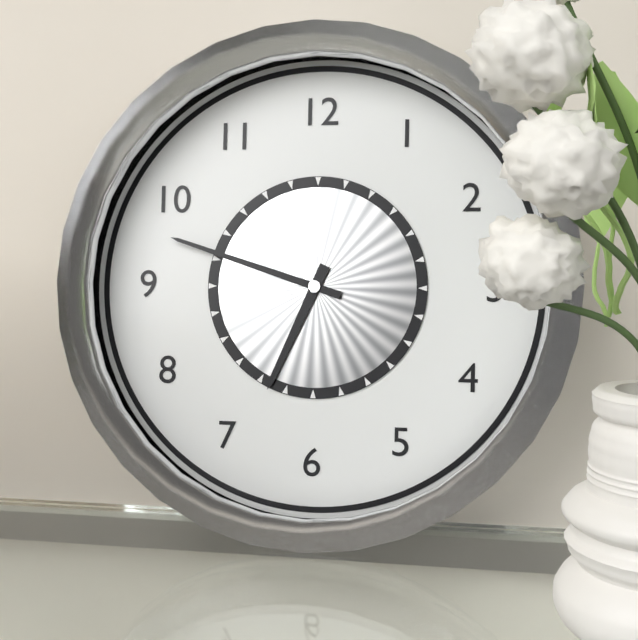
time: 6:48
